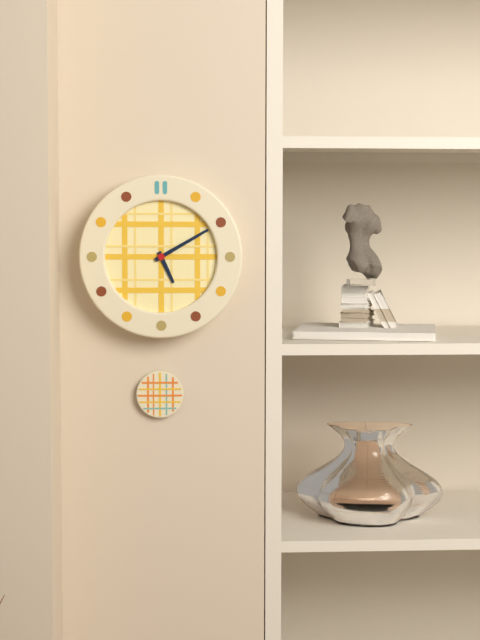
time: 5:10
